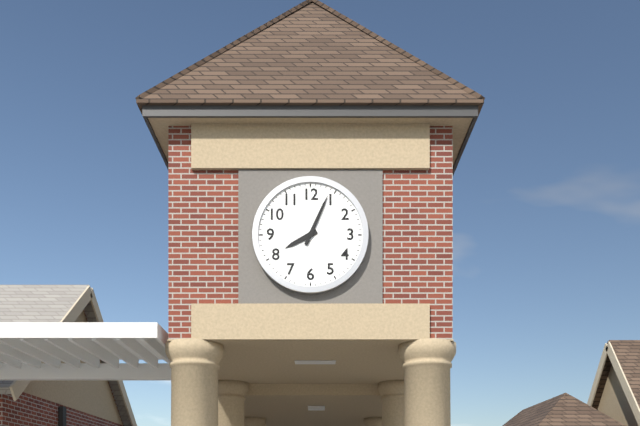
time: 8:04
